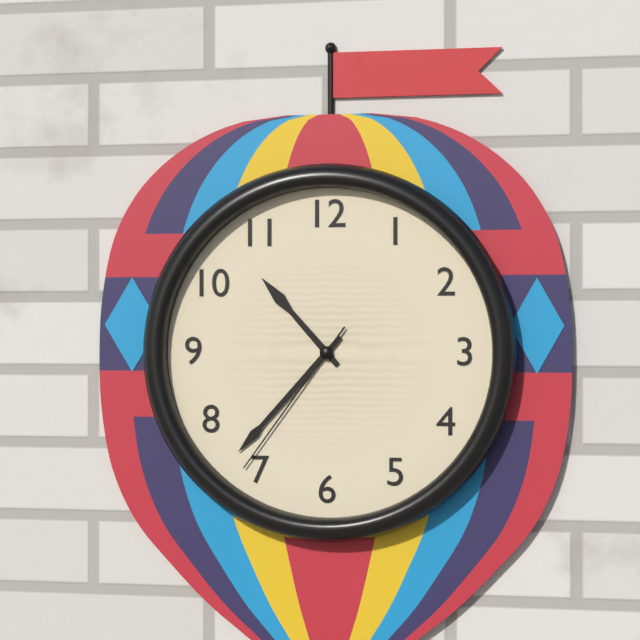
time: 10:37:36
